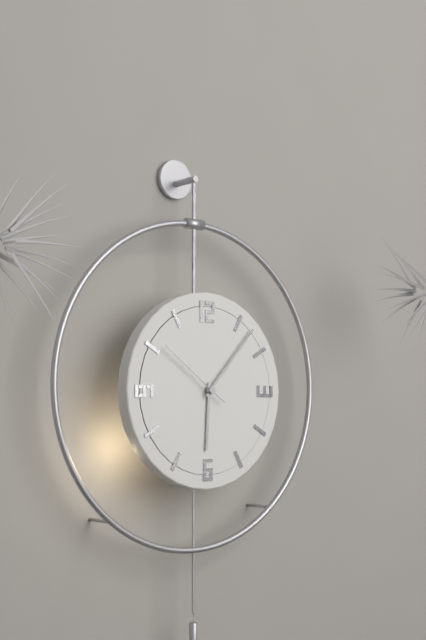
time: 6:07:51
